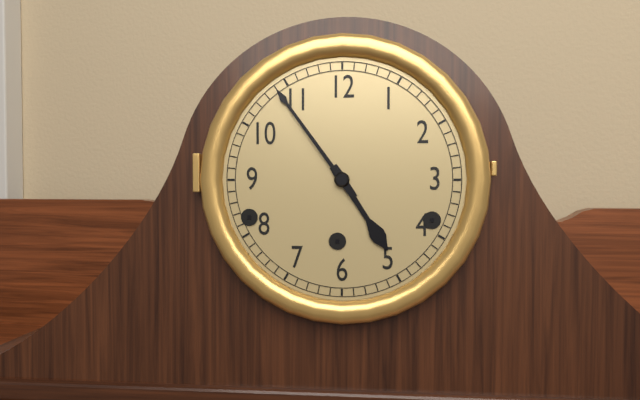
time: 4:54
